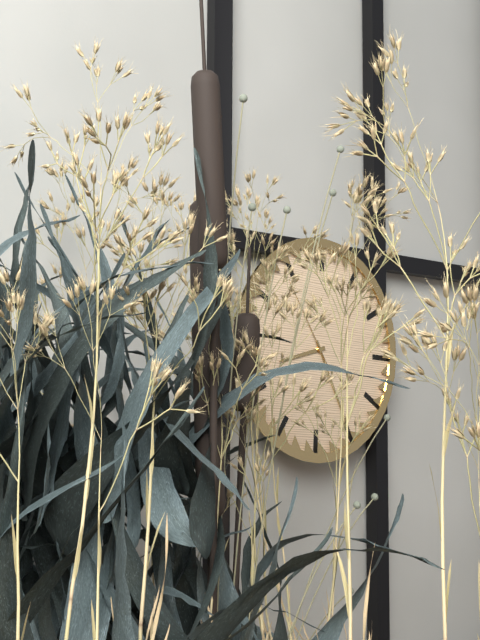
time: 8:25:54
